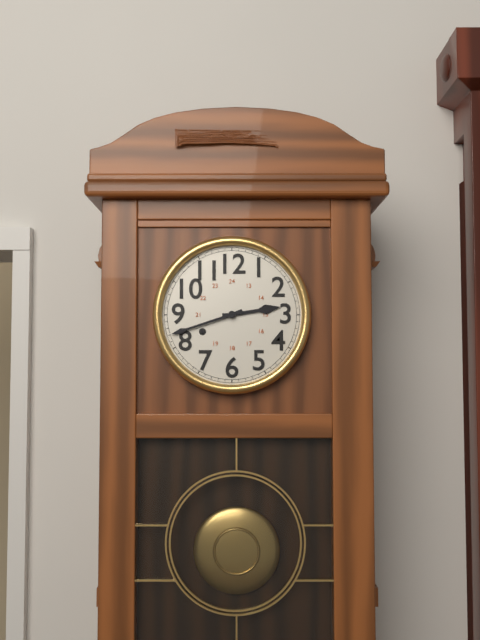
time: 2:42
